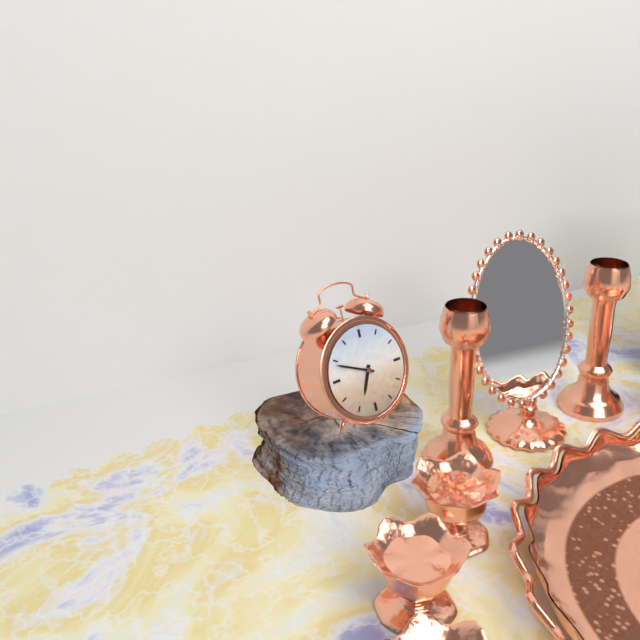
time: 6:49
